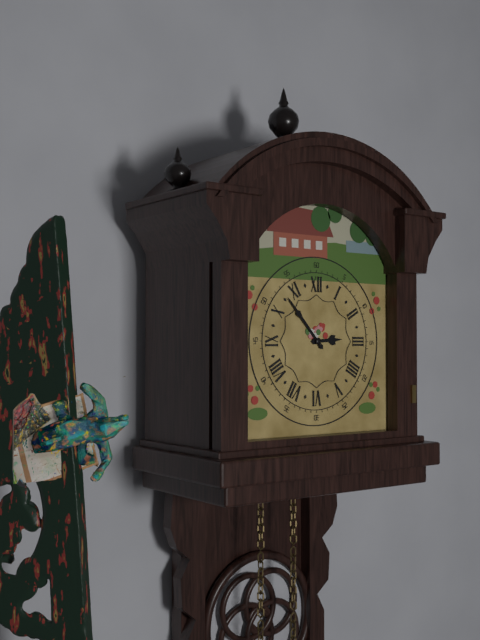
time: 2:53
